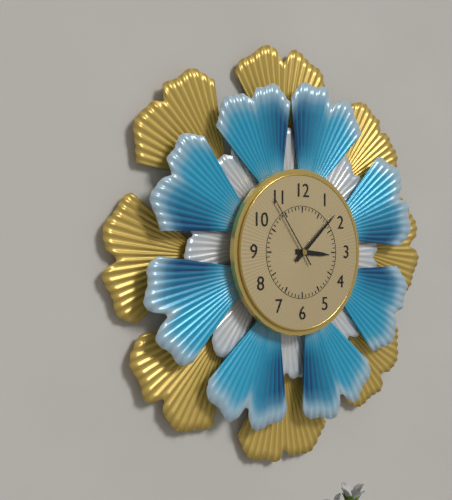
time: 3:08:54
